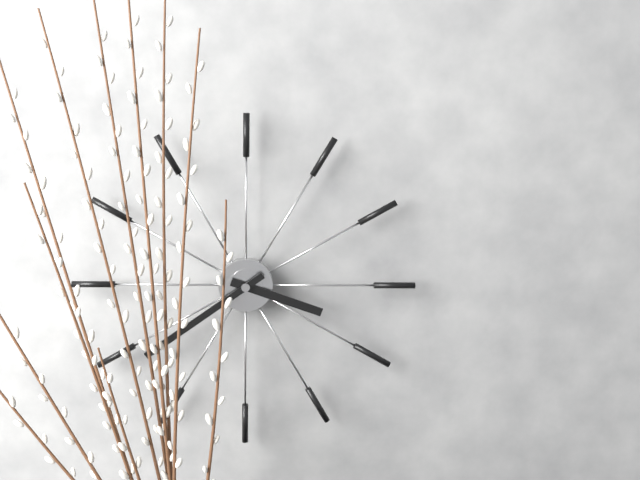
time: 3:39
